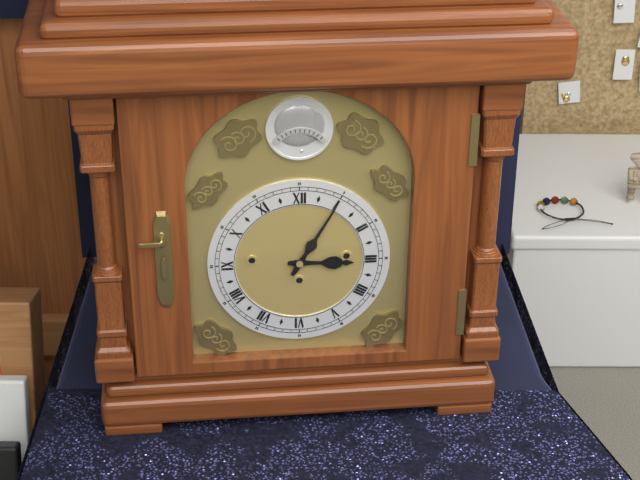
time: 3:05
